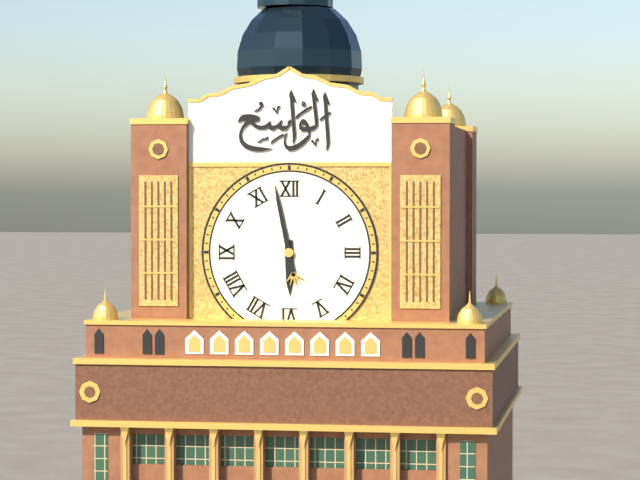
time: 5:58
